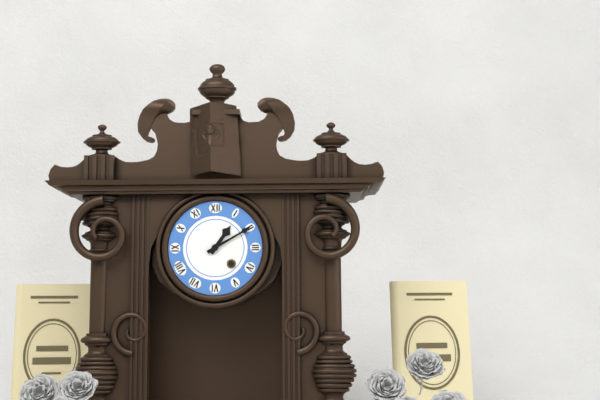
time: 1:10
